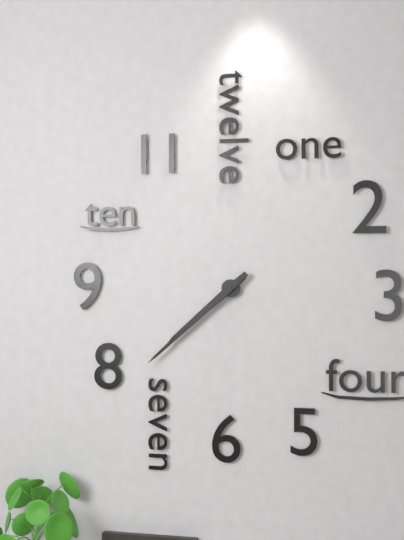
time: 7:38
